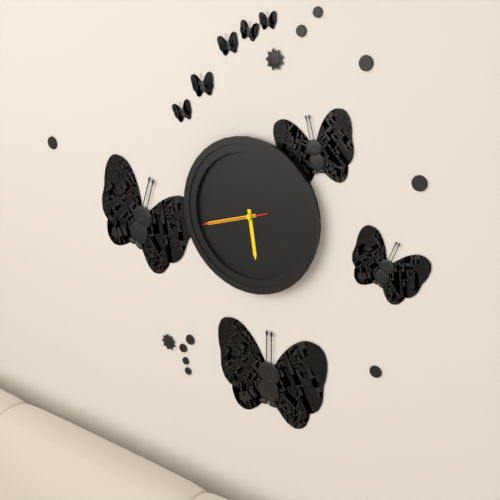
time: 5:42:42
